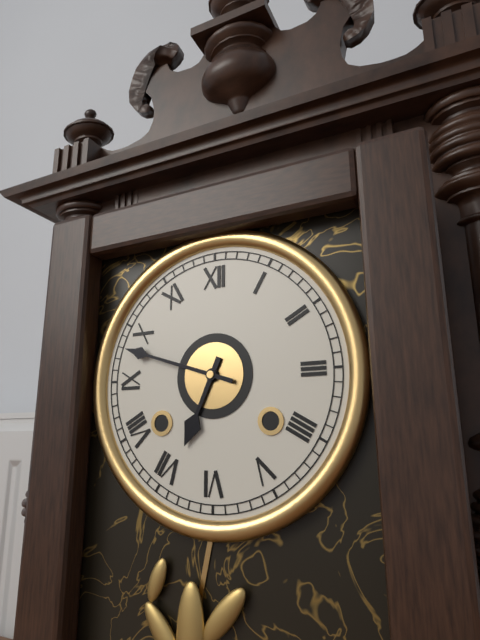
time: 6:48
